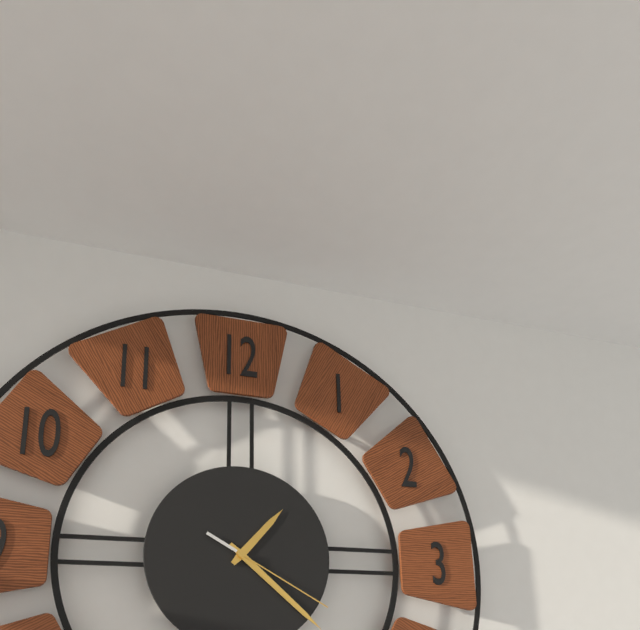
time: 1:22:20
